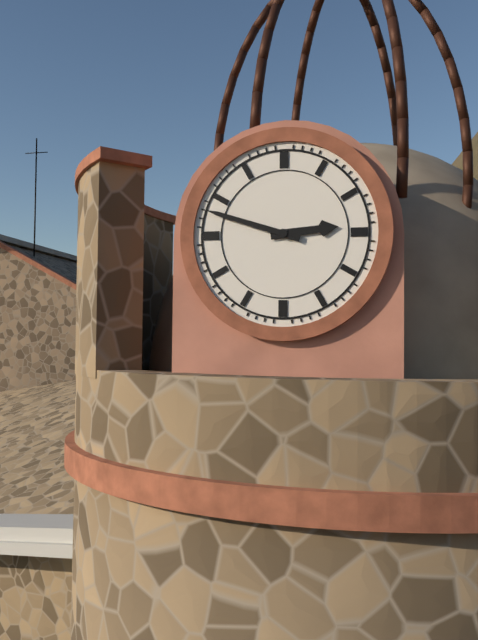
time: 2:48
